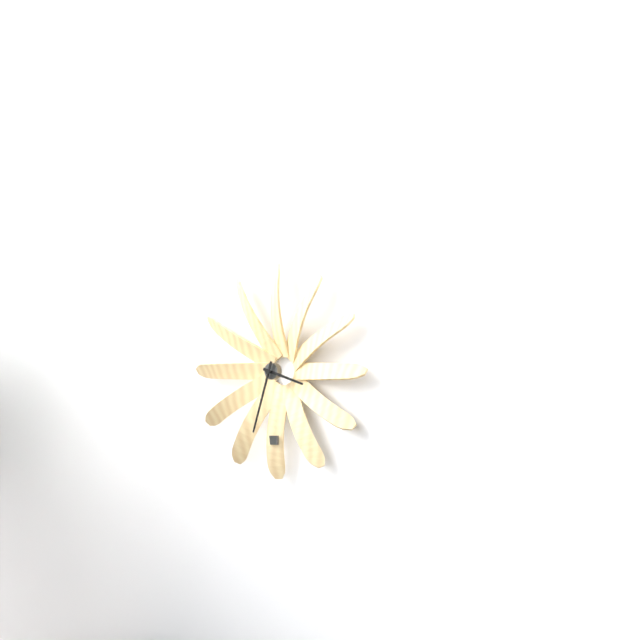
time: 3:33
